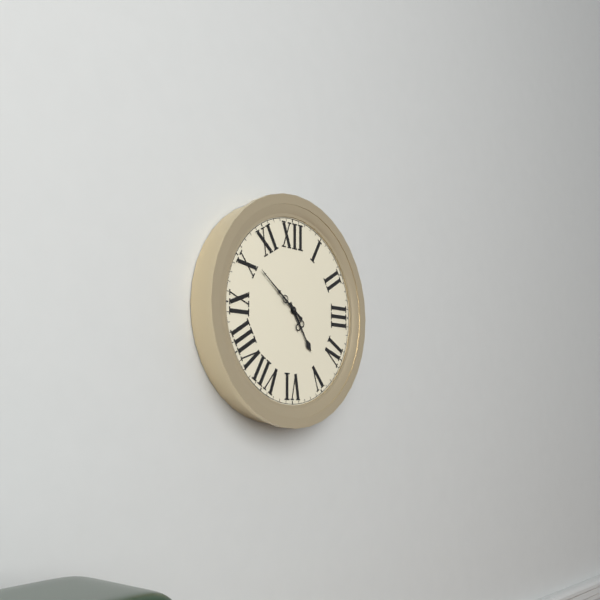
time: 4:51
